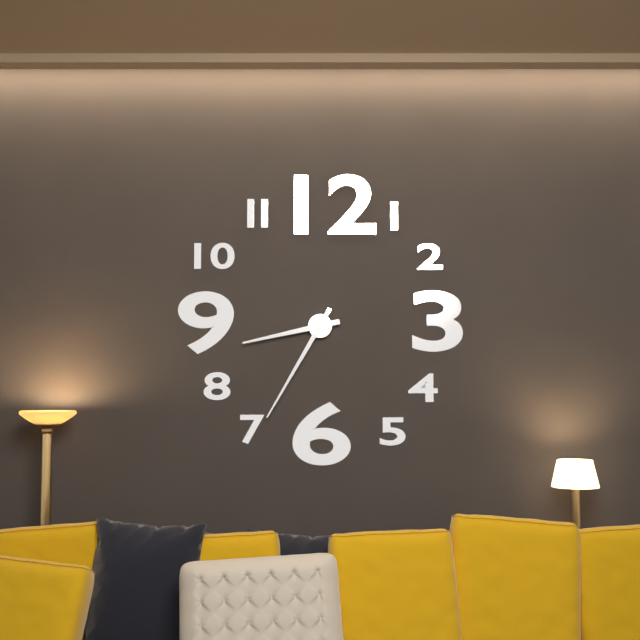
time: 8:35
